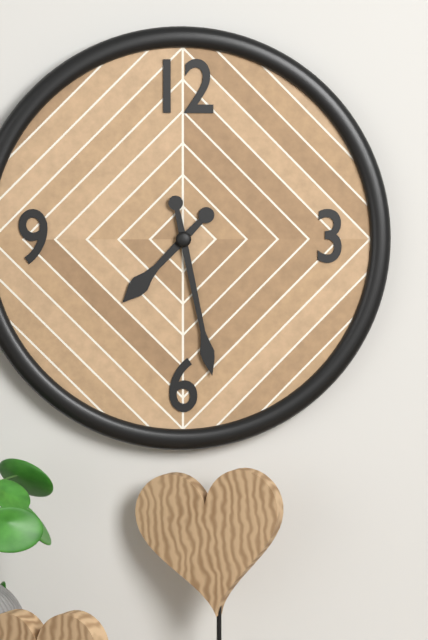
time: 7:28
